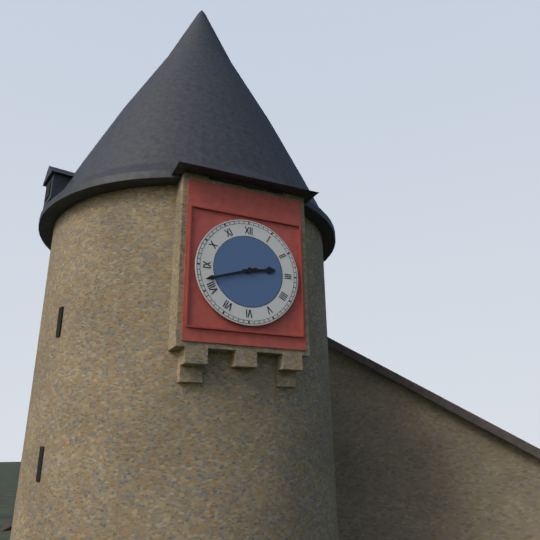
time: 2:42
